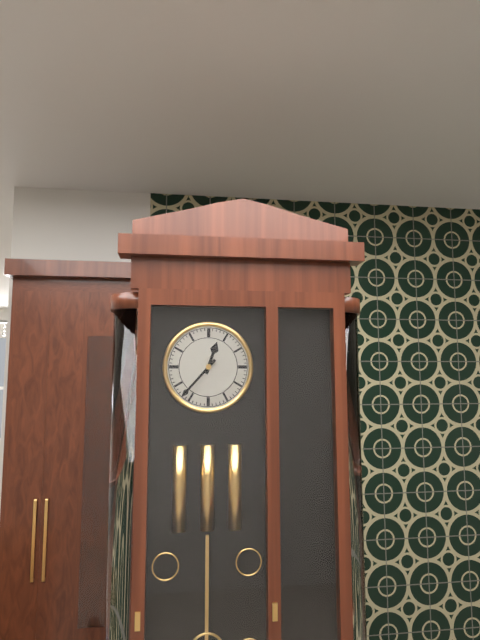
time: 12:37
